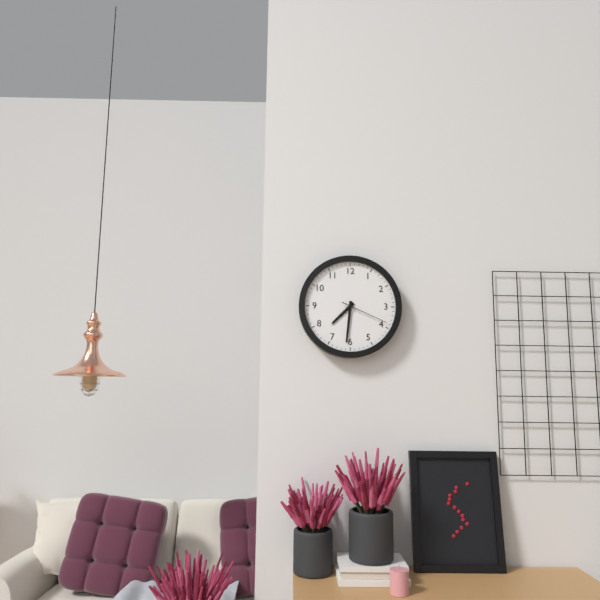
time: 7:31:19
